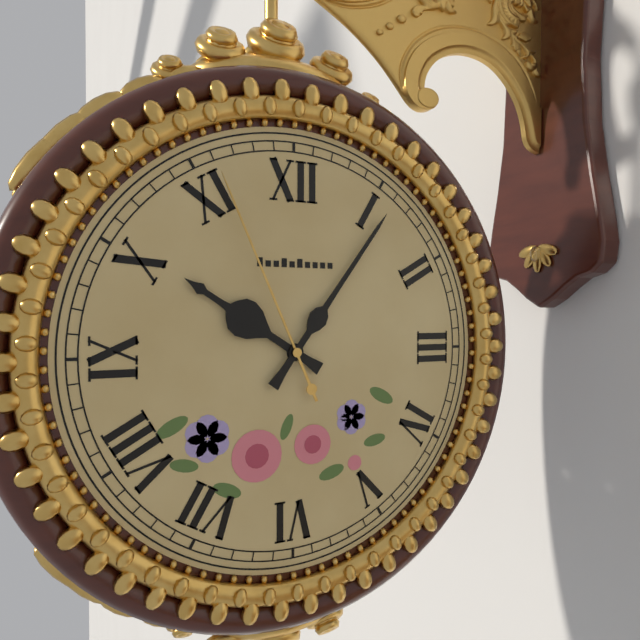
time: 10:06:56
